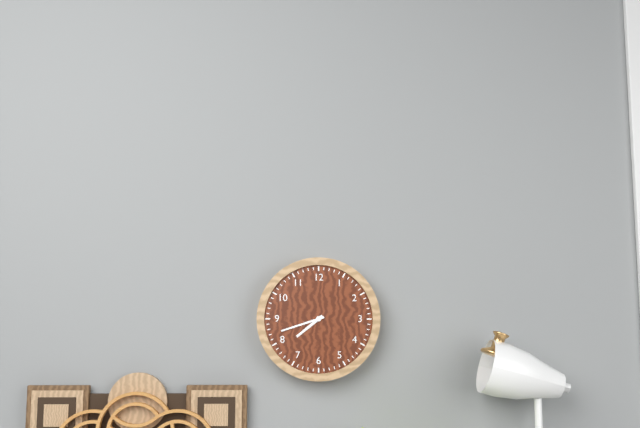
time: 7:42
